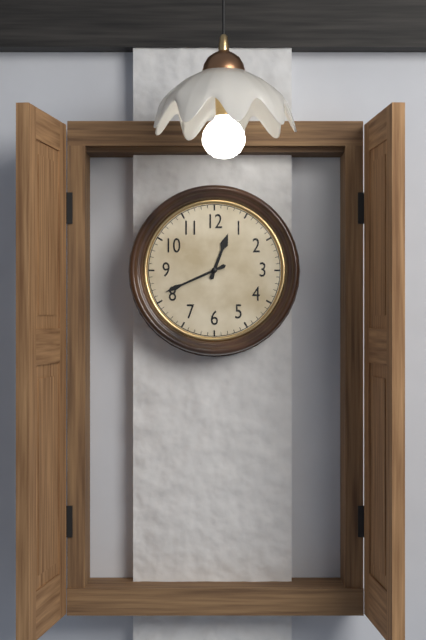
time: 12:41
